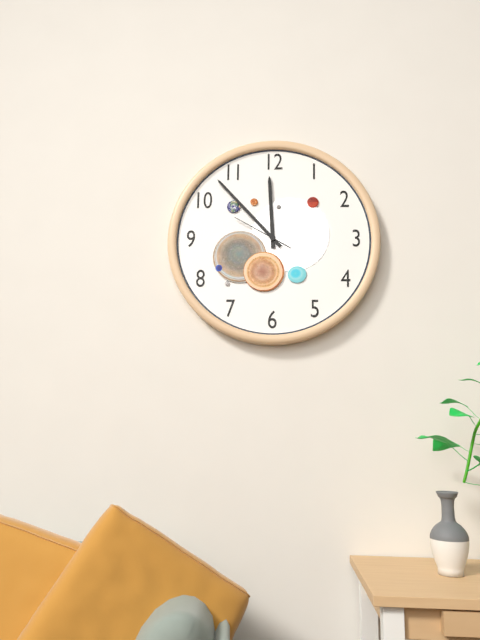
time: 11:53:50
